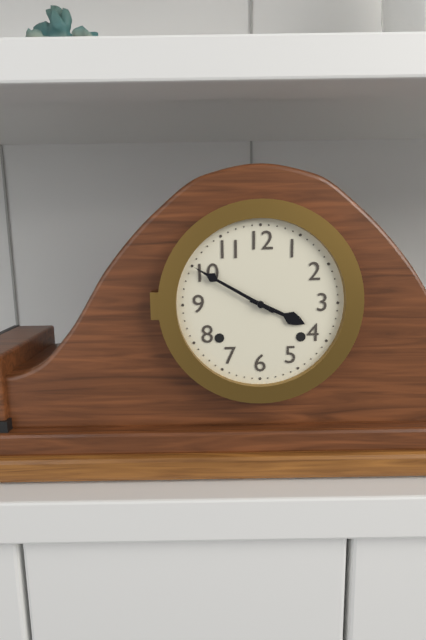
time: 3:50
